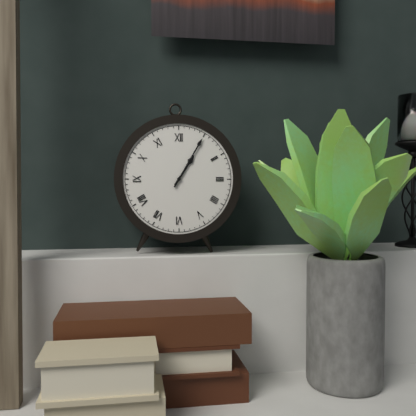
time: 1:05
